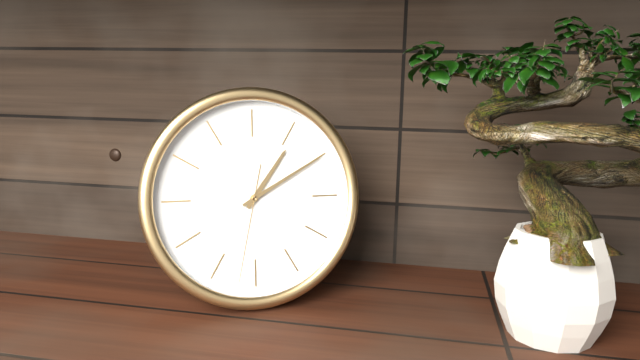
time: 1:10:32
